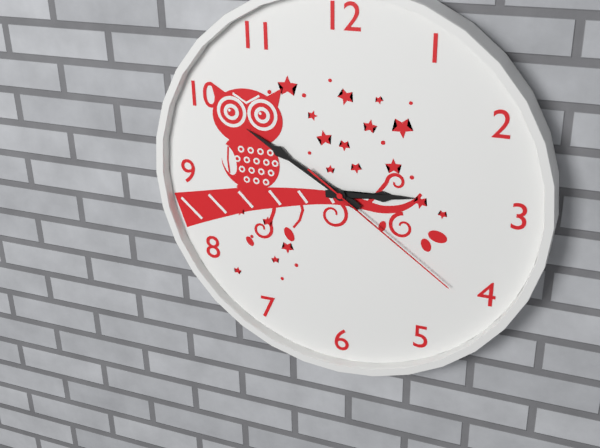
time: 2:50:21
